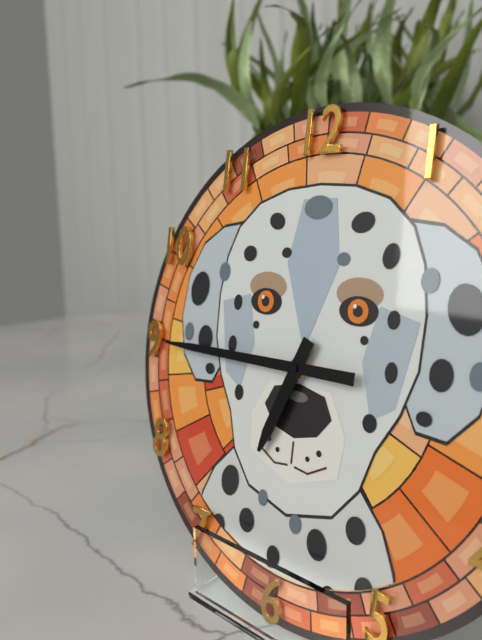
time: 6:45
